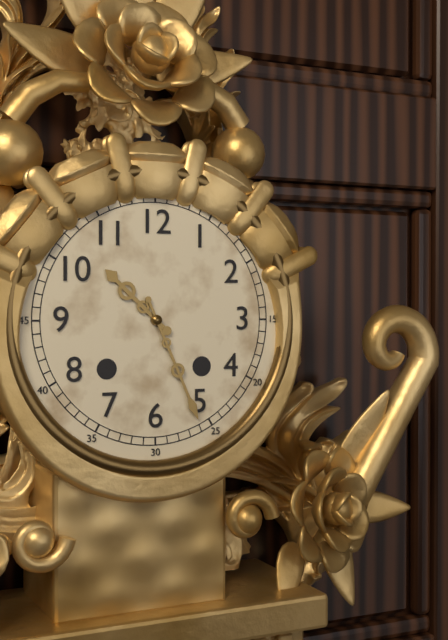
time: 10:26
